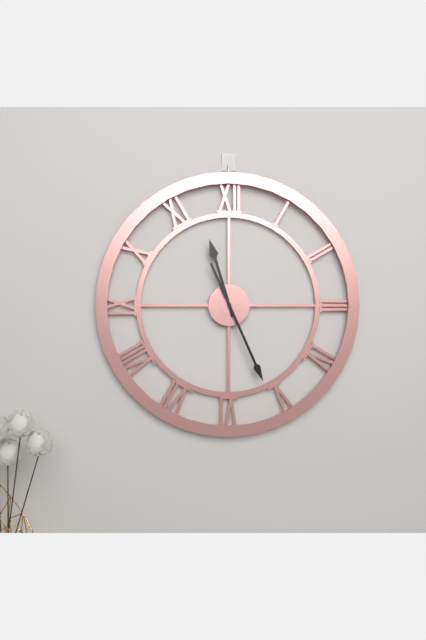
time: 11:26
